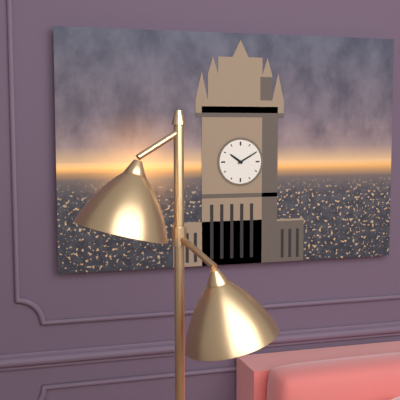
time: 10:10
